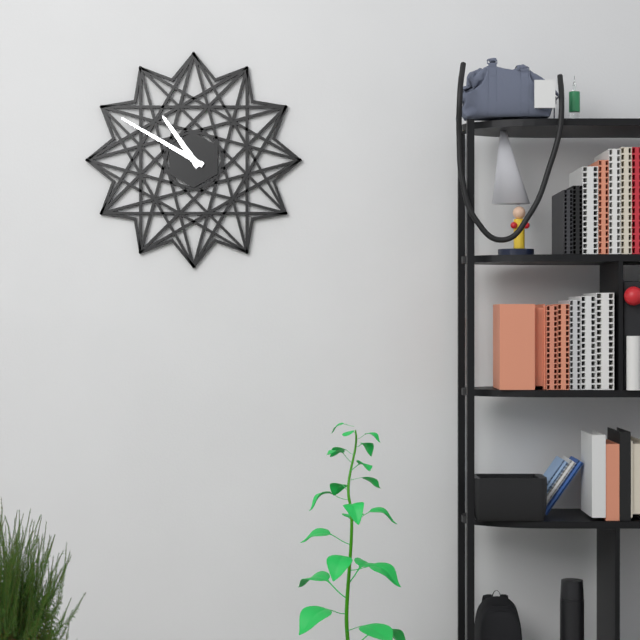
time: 10:50
